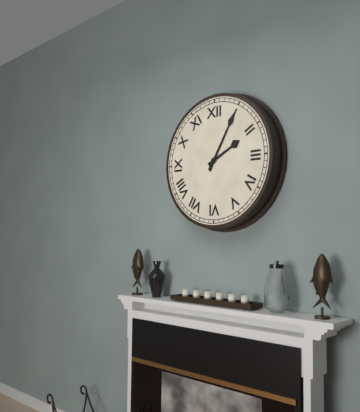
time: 2:05
